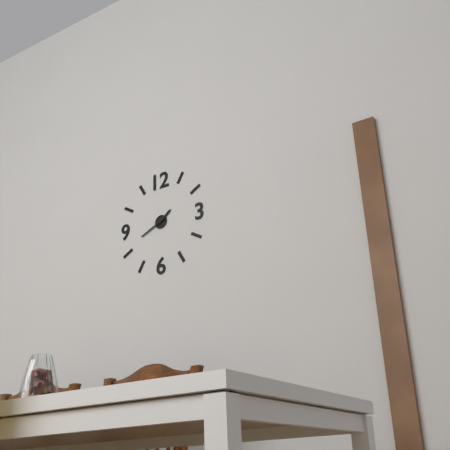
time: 1:41
